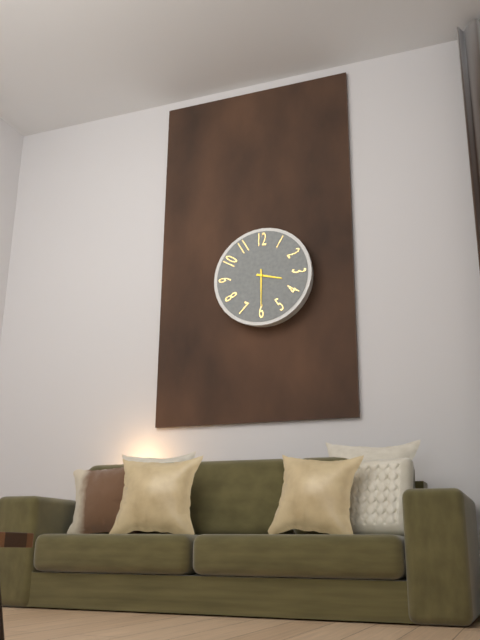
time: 3:30
